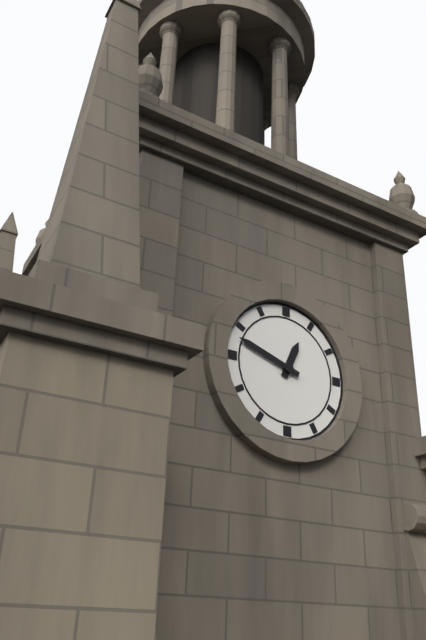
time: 12:48
